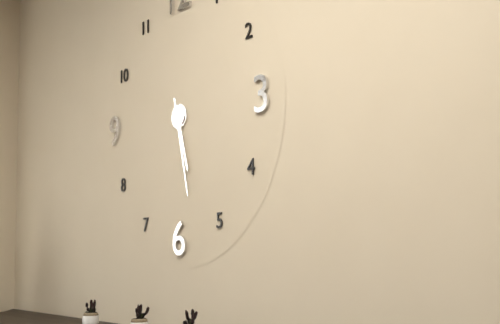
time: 5:28
